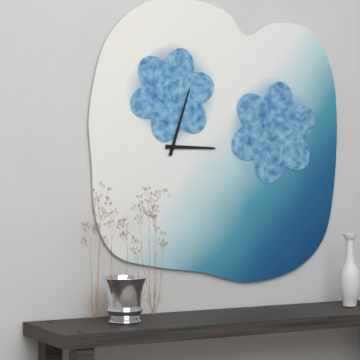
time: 3:03
